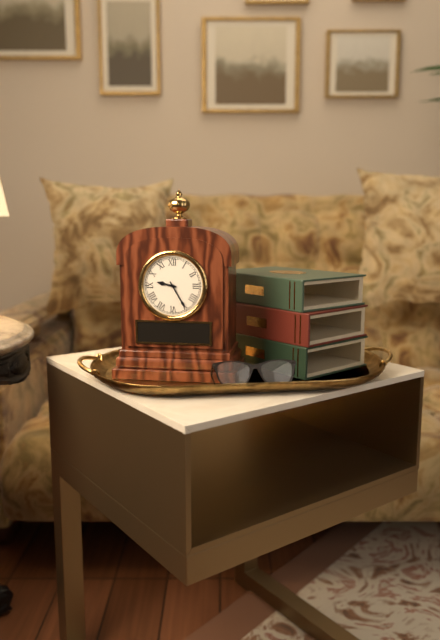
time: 9:25
